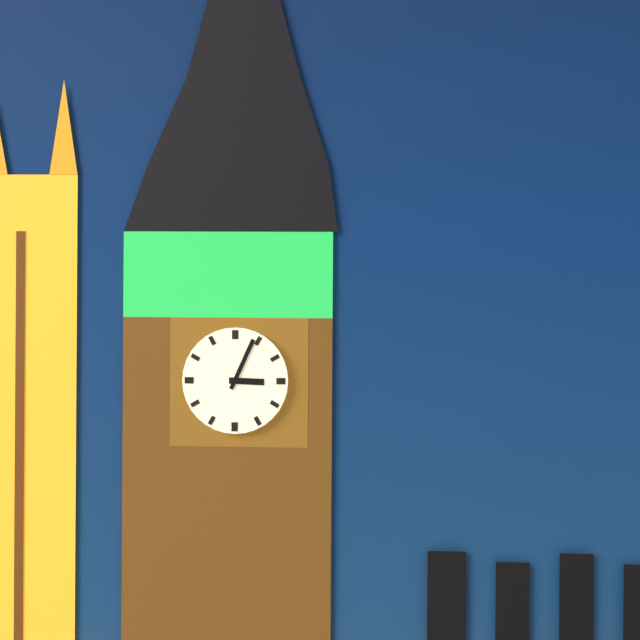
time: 3:04
